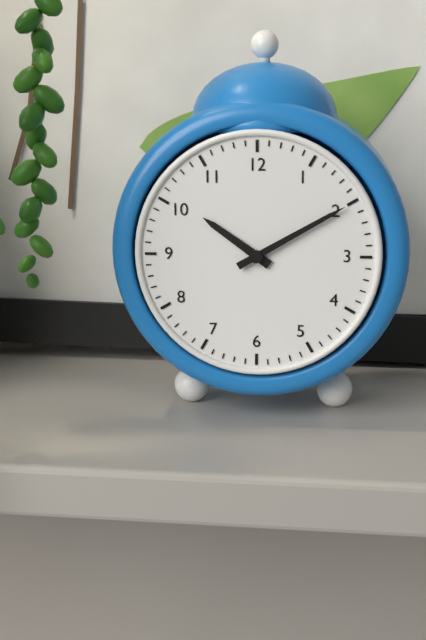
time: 10:10
